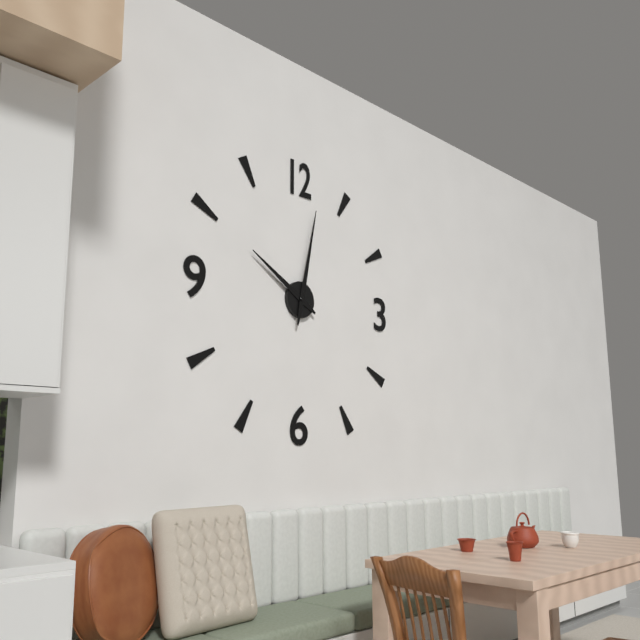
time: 10:02
